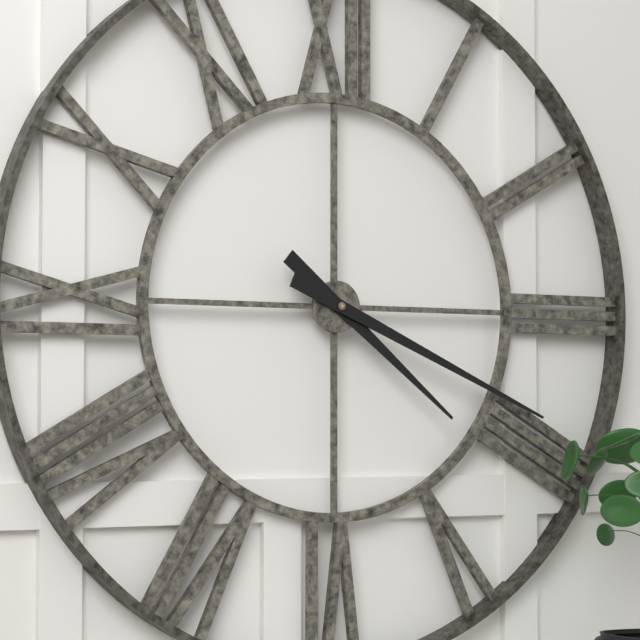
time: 4:19
